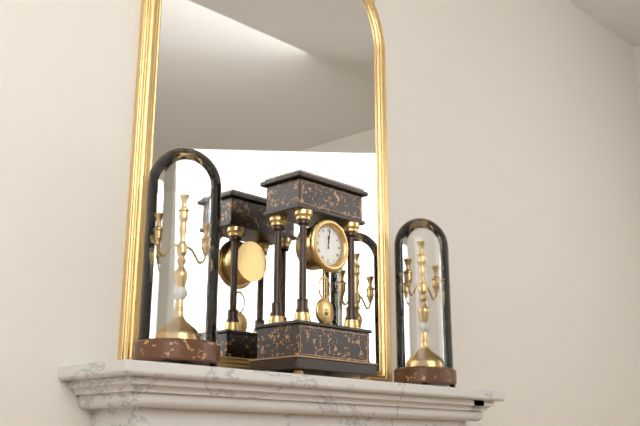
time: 12:01
